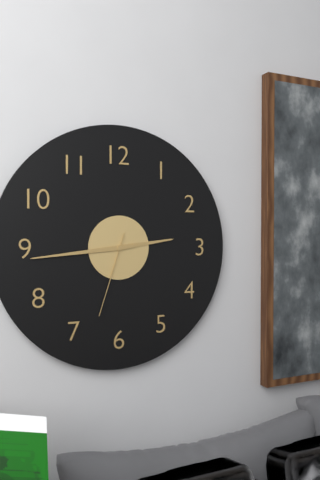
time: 2:44:33
